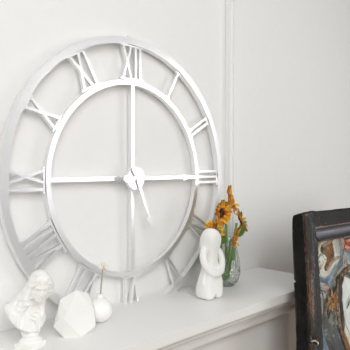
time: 5:15
